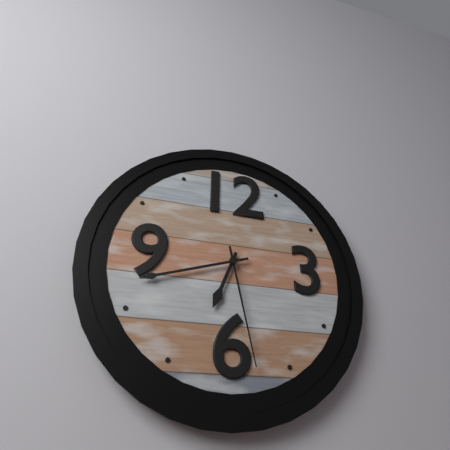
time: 6:42:28
